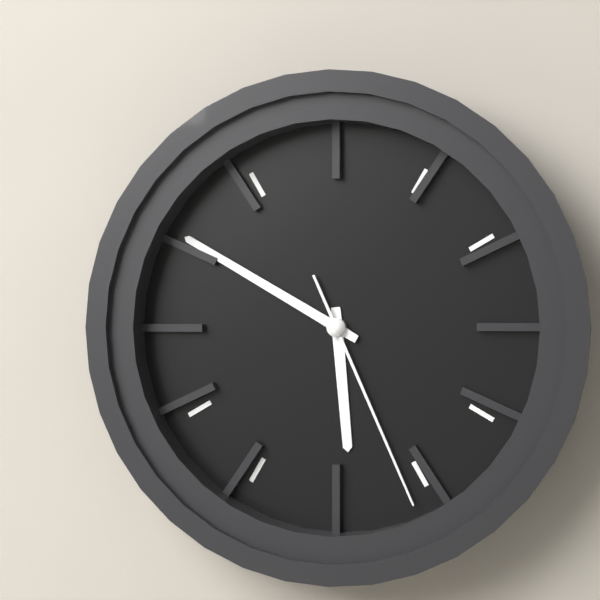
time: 5:50:26
